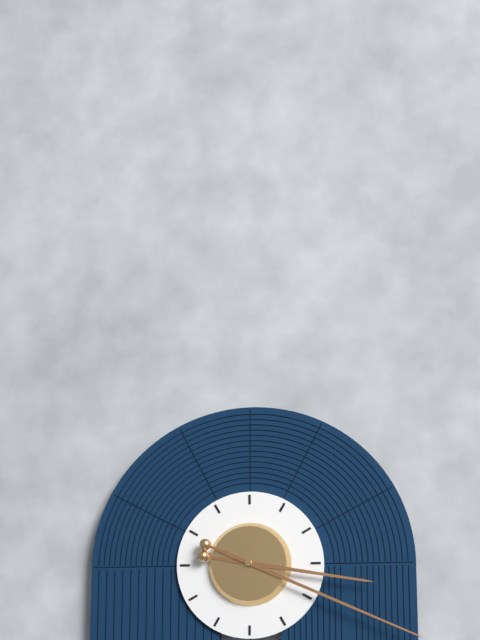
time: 3:19
